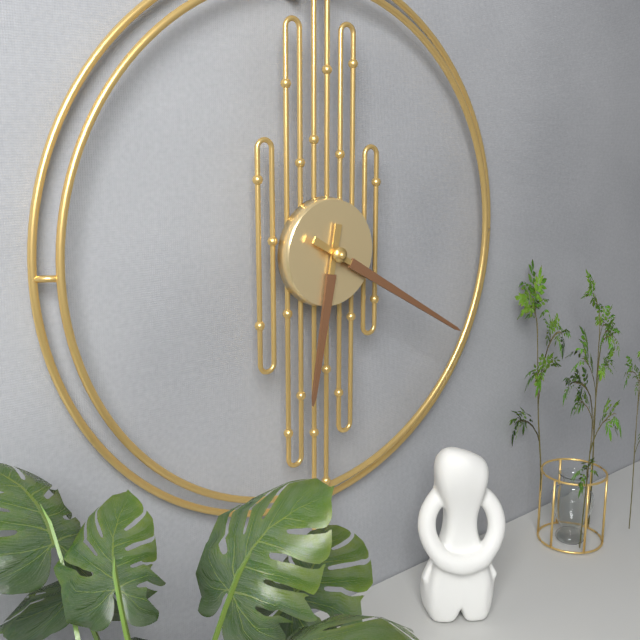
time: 6:20
